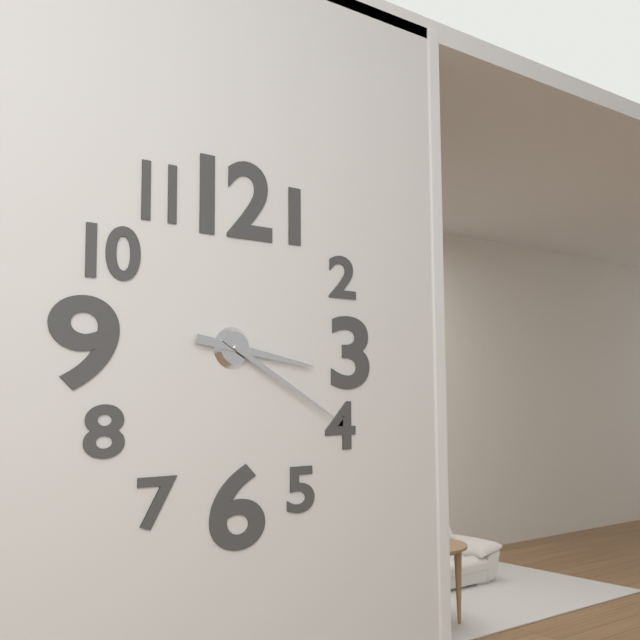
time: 3:20
